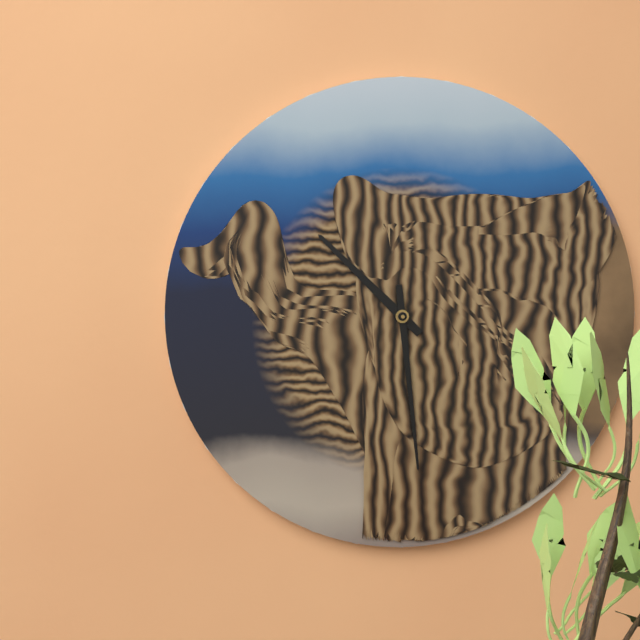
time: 10:29
